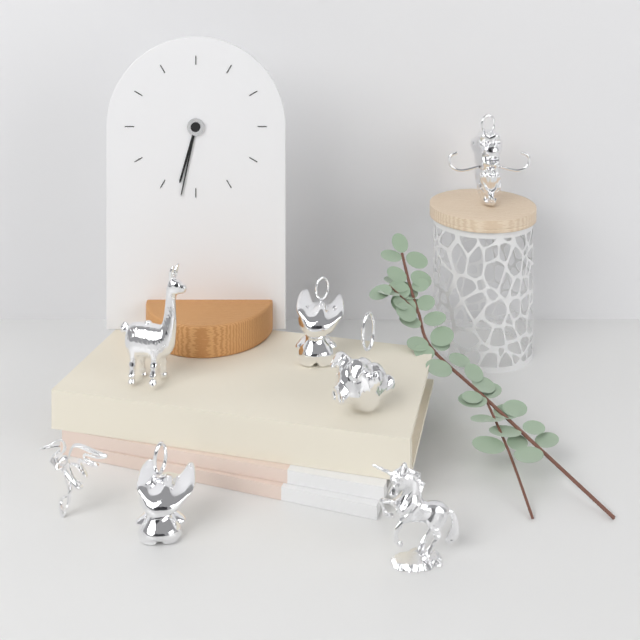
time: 6:32
